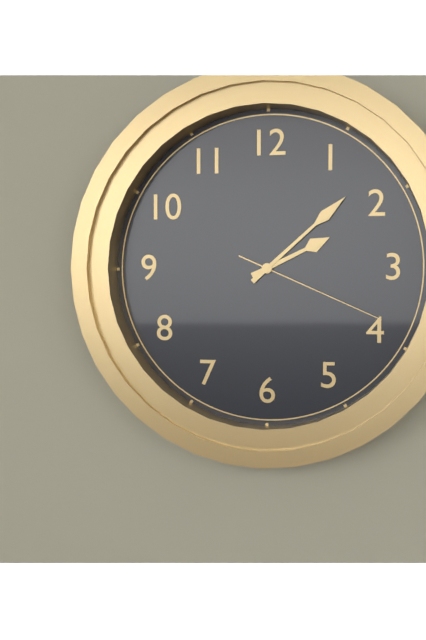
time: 2:08:19
